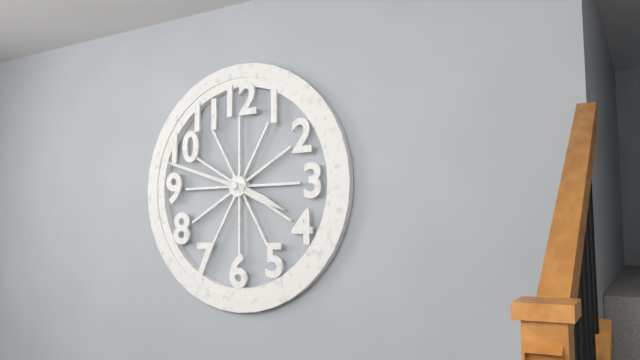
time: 3:48
